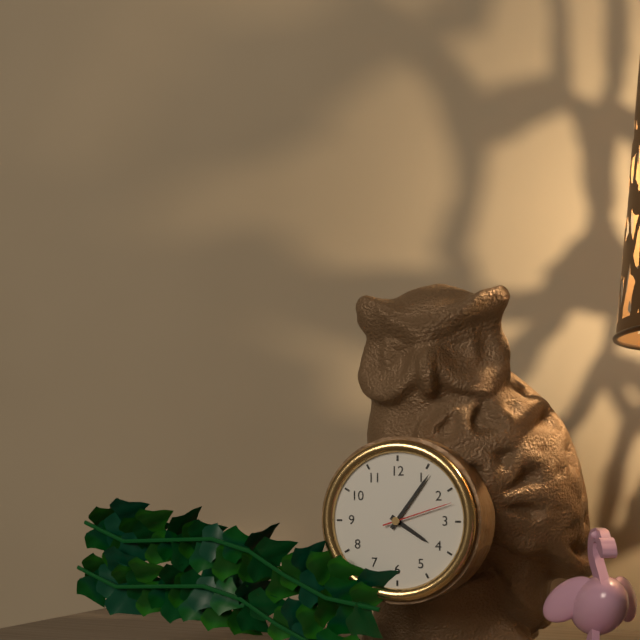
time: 4:06:12
